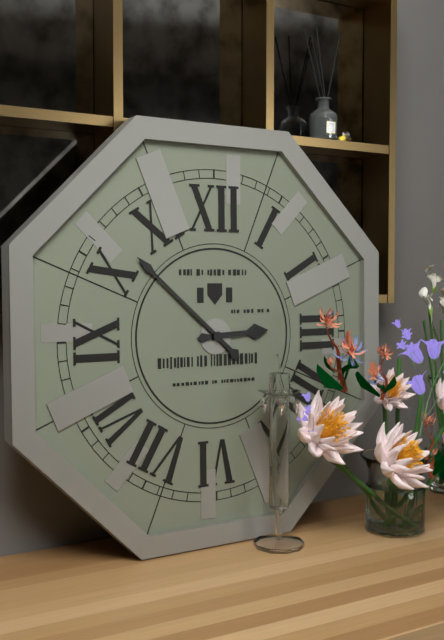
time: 2:52
